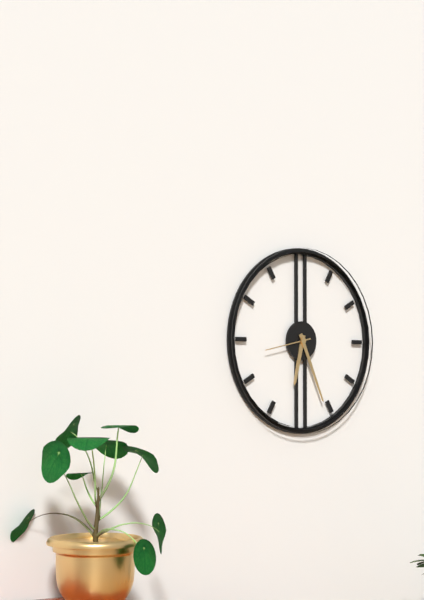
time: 6:26
